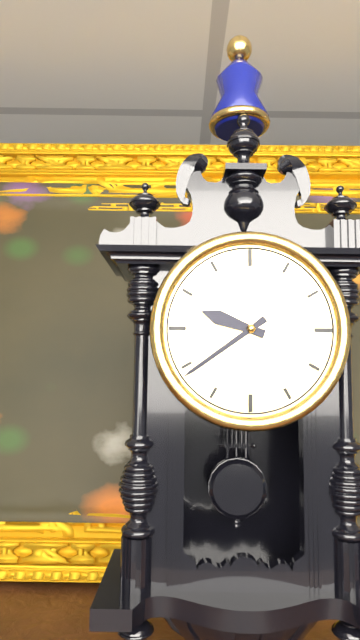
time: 9:39
